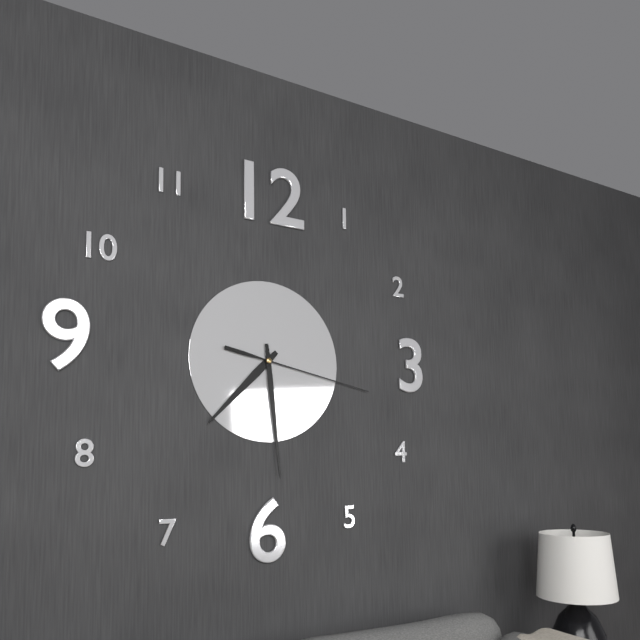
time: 7:29:17
